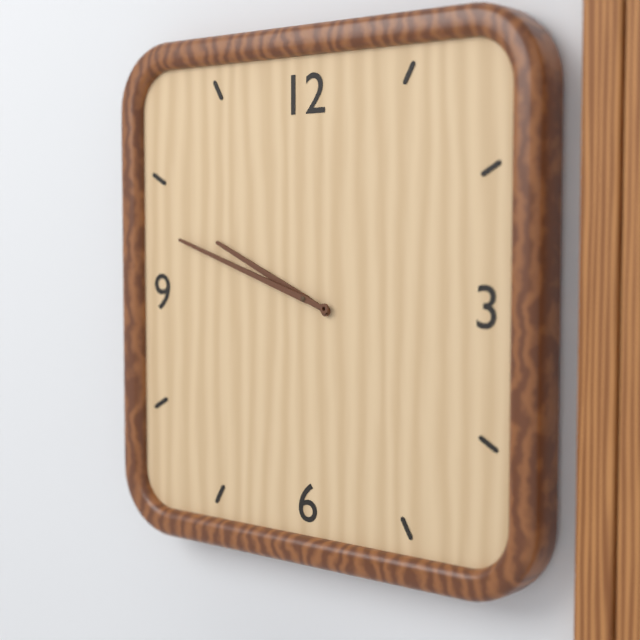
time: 9:48
